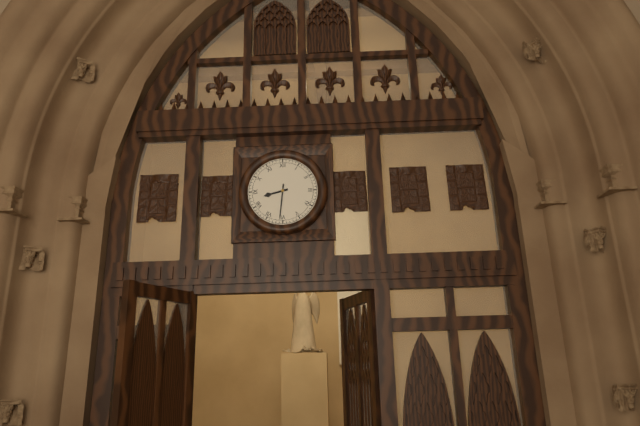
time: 8:31
